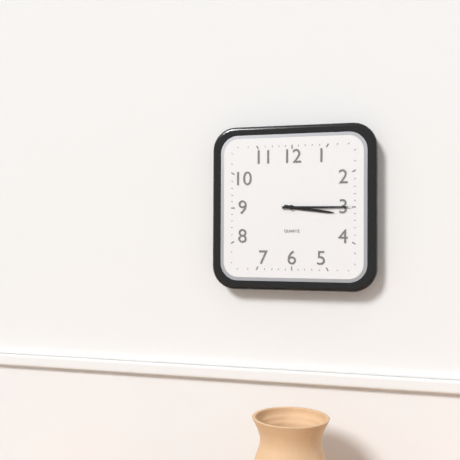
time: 3:15
